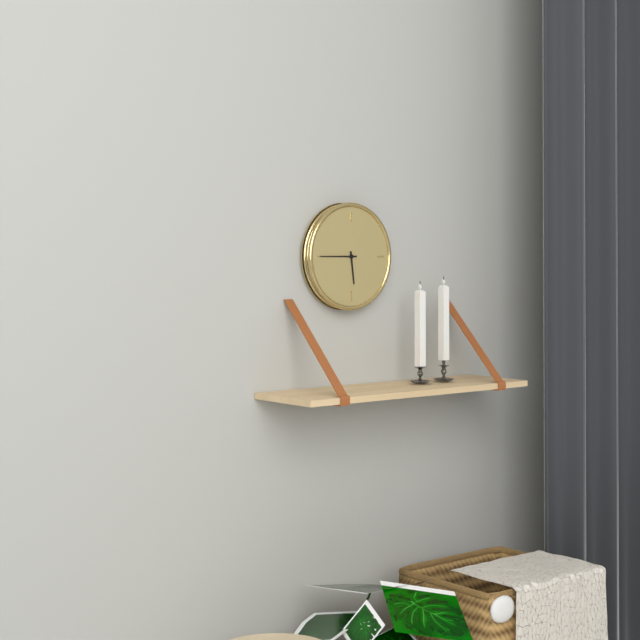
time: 5:45
